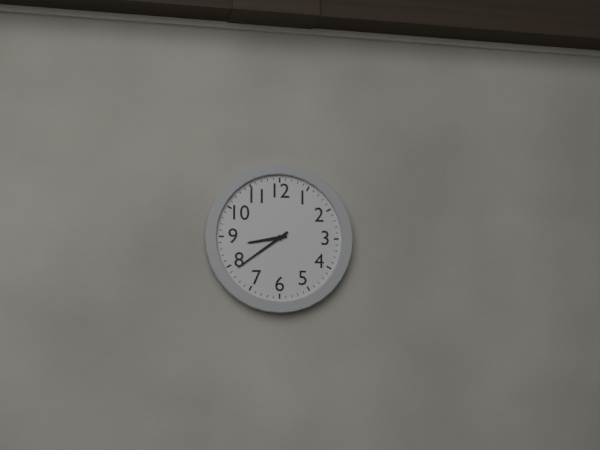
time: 8:39
